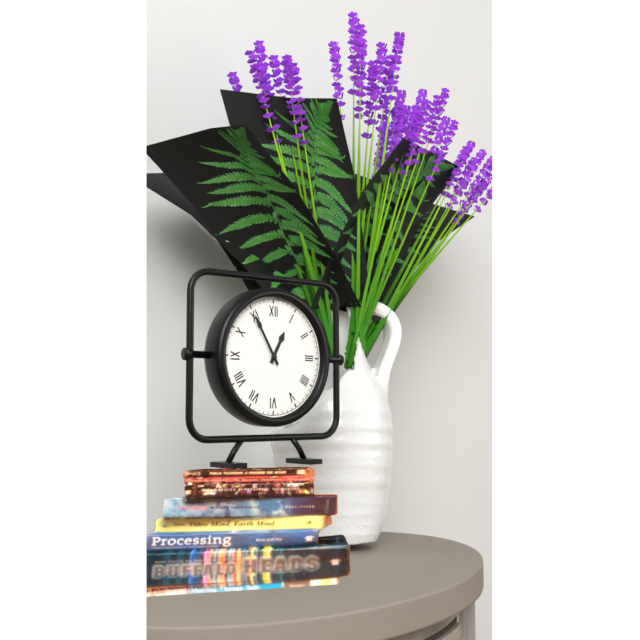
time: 12:55
